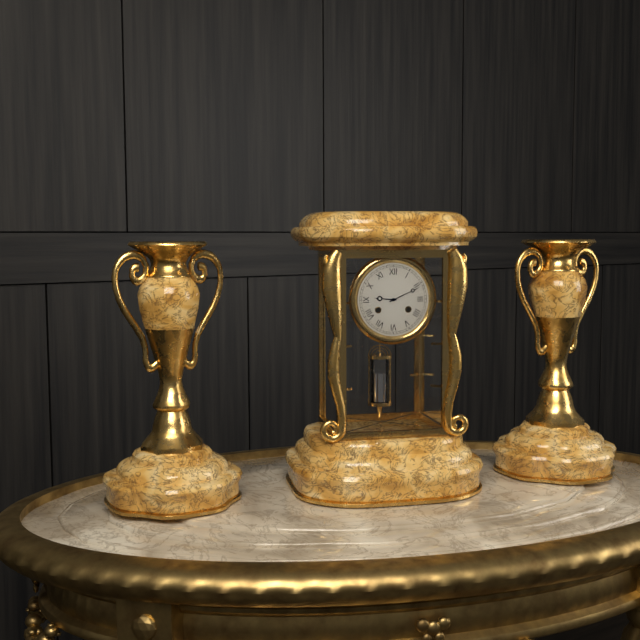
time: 9:11
